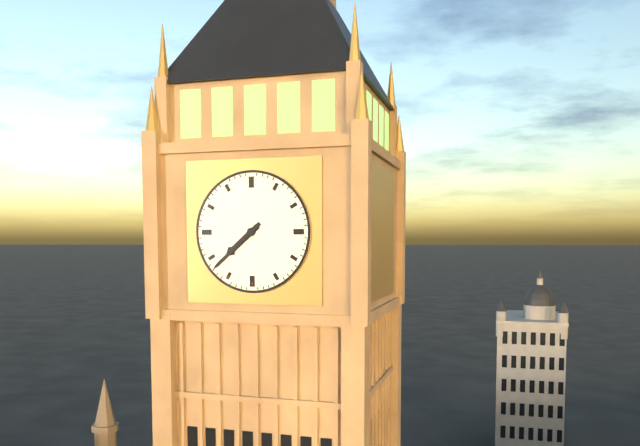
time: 7:38
